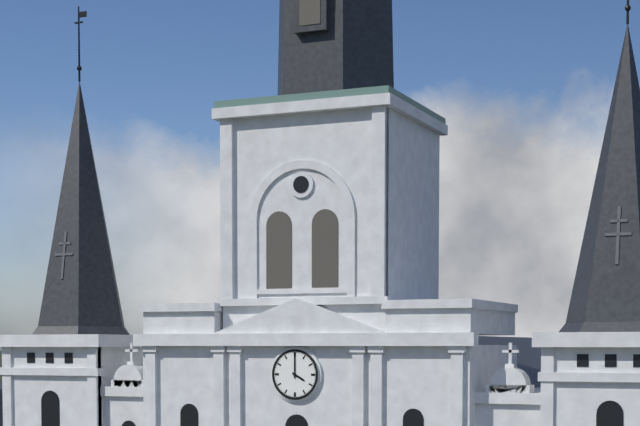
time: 4:00
